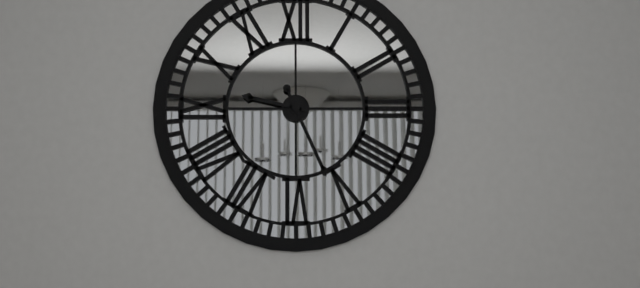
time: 9:26
